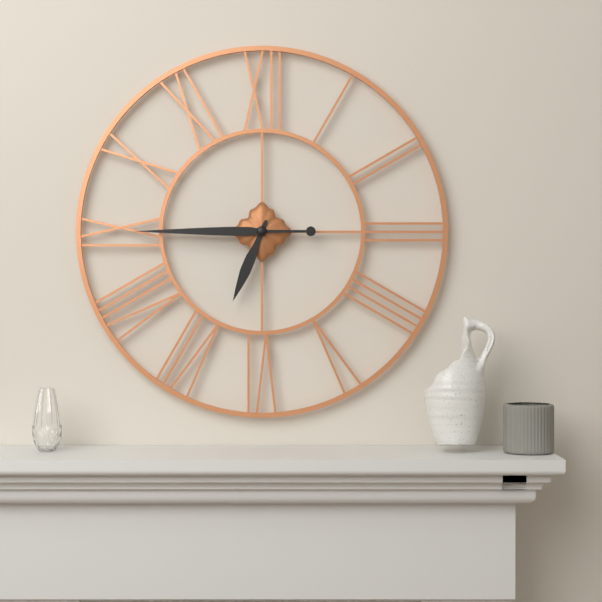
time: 6:45
